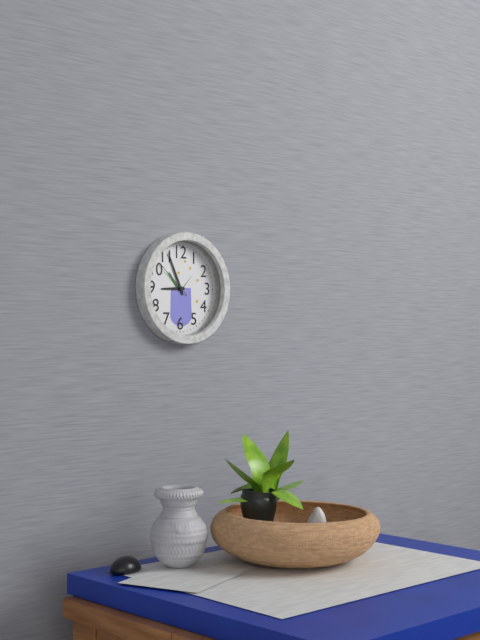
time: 8:56
